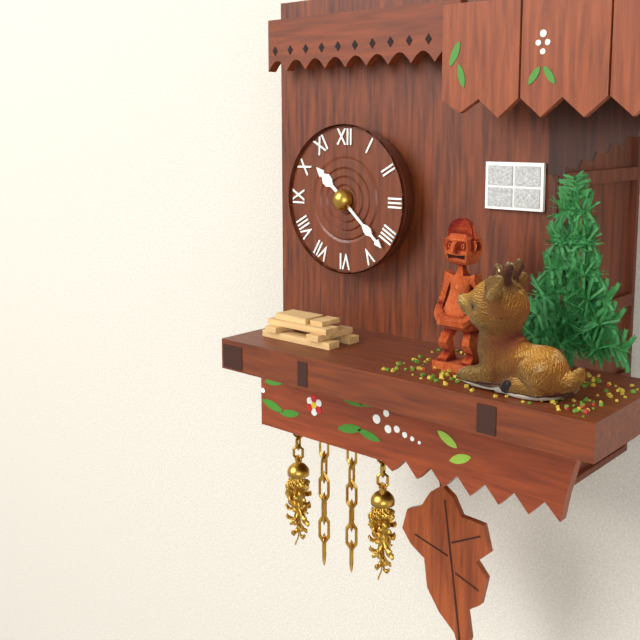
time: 10:22
